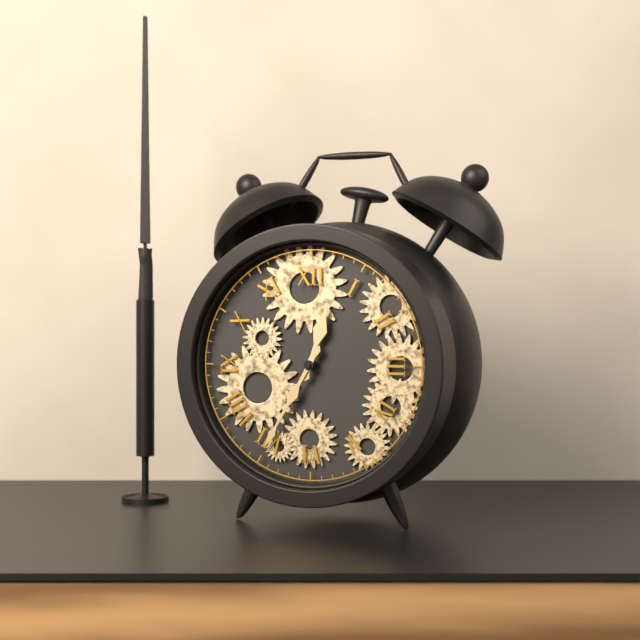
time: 12:35
